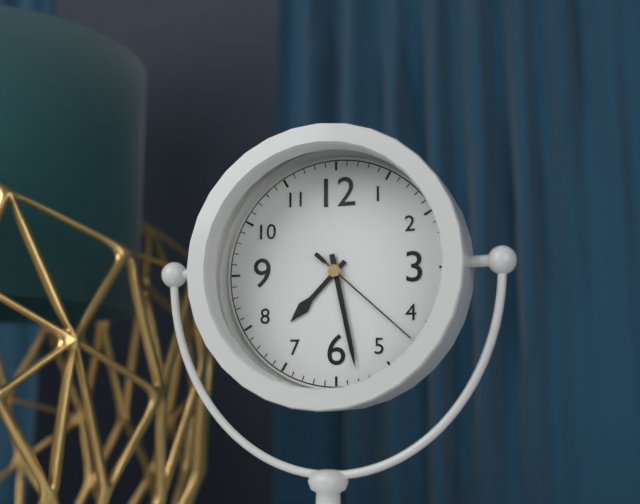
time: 7:28:22
